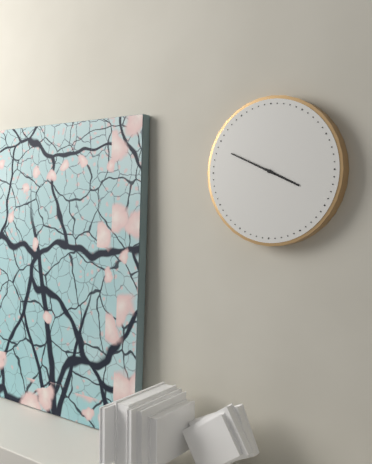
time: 3:49
